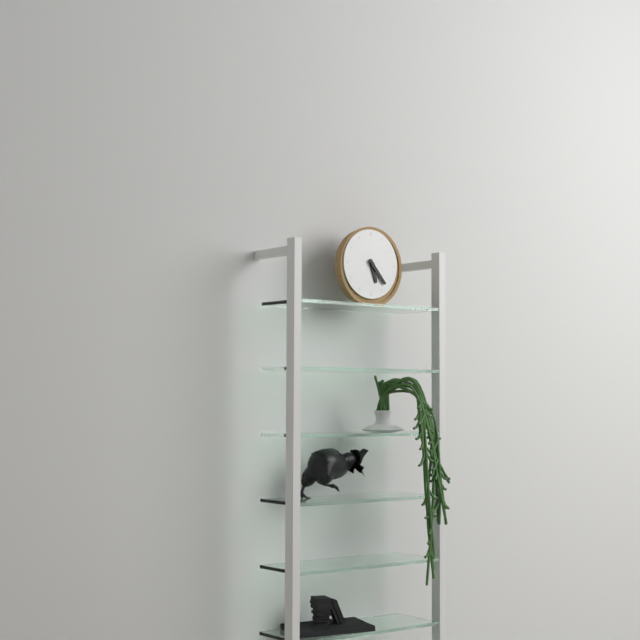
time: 5:23
